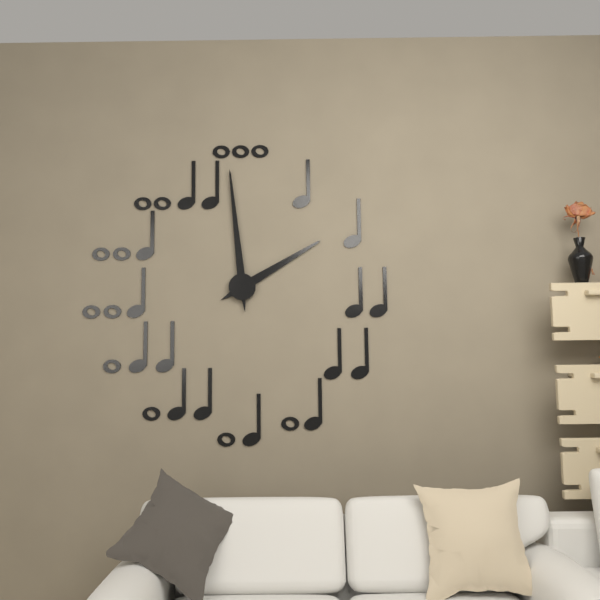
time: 1:59
